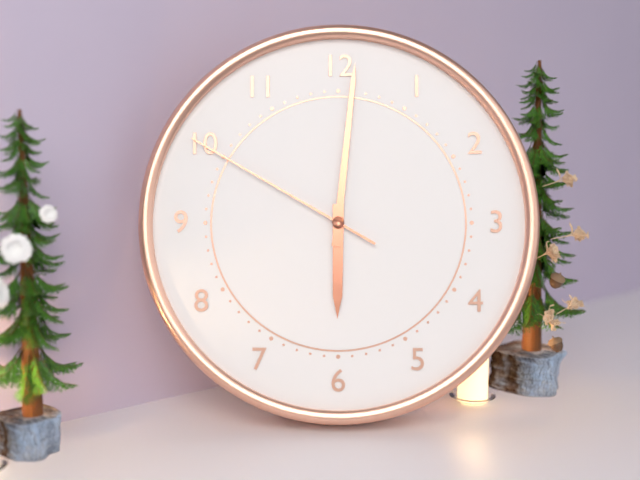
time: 6:01:50
